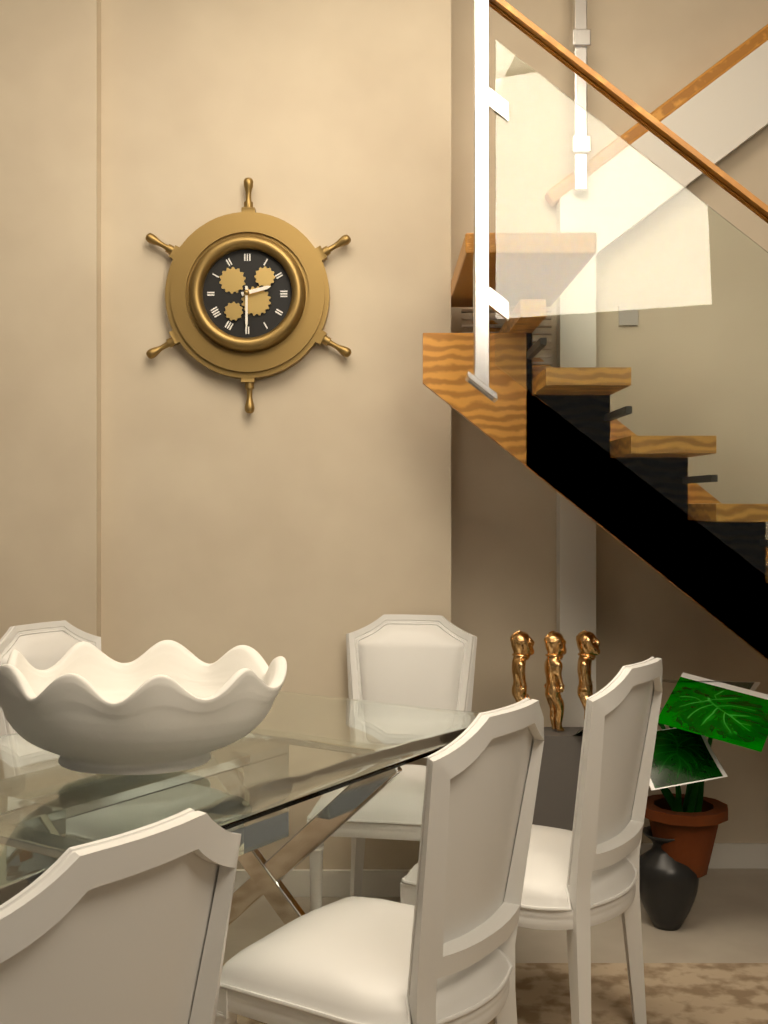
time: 2:30
